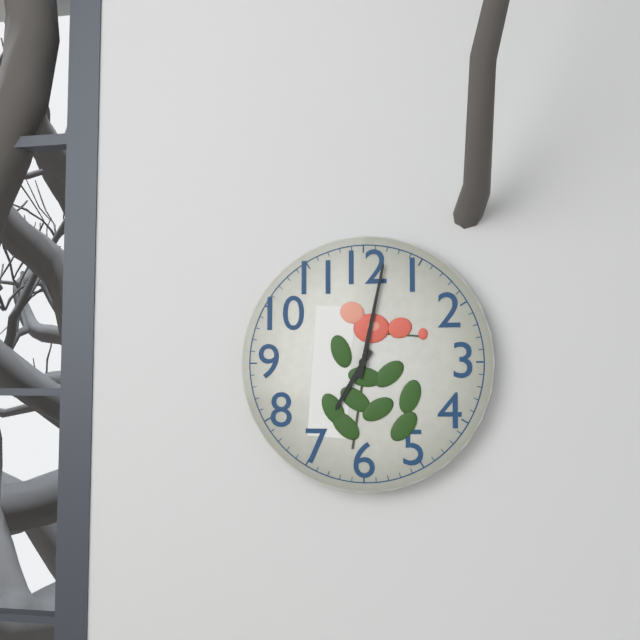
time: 7:02
